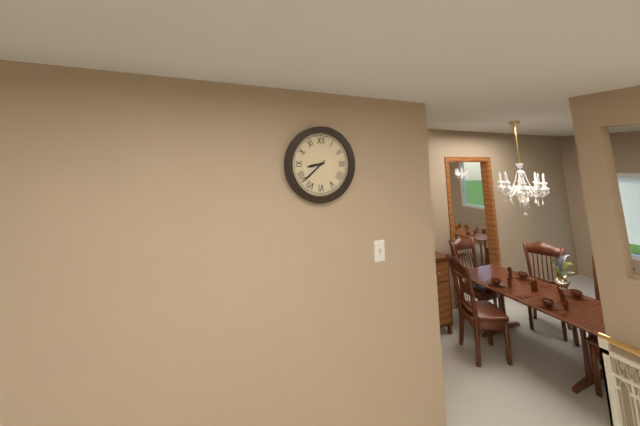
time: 8:38
